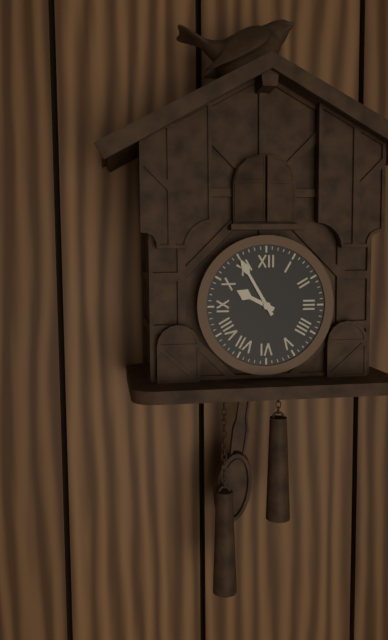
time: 9:55
